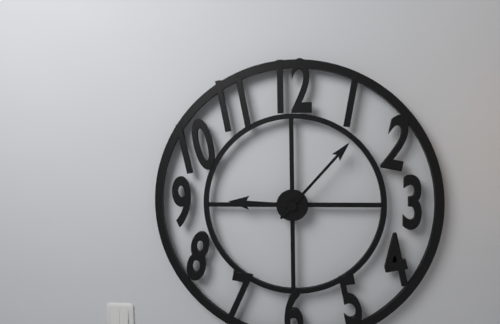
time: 9:07
